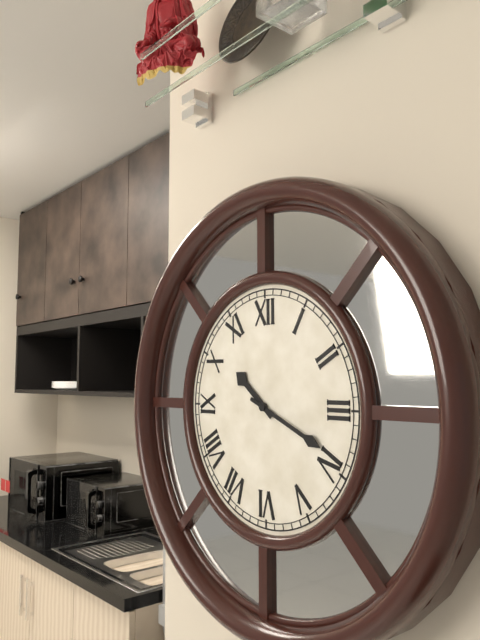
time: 10:19
